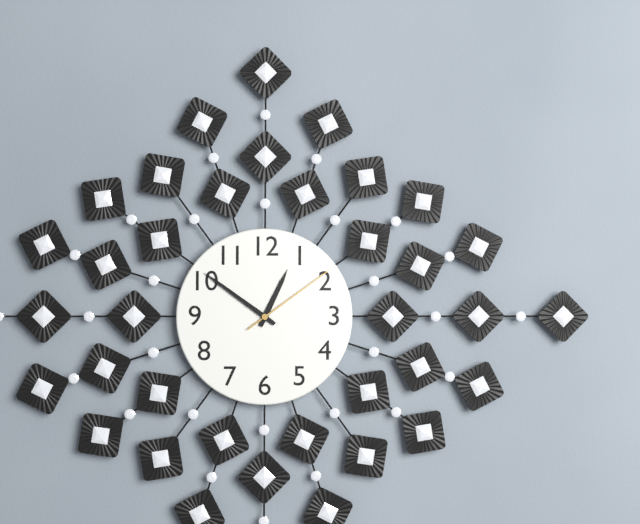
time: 12:51:09
